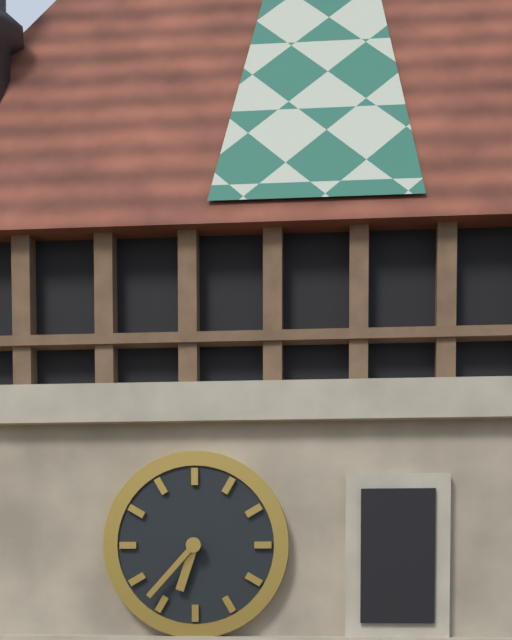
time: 6:37
